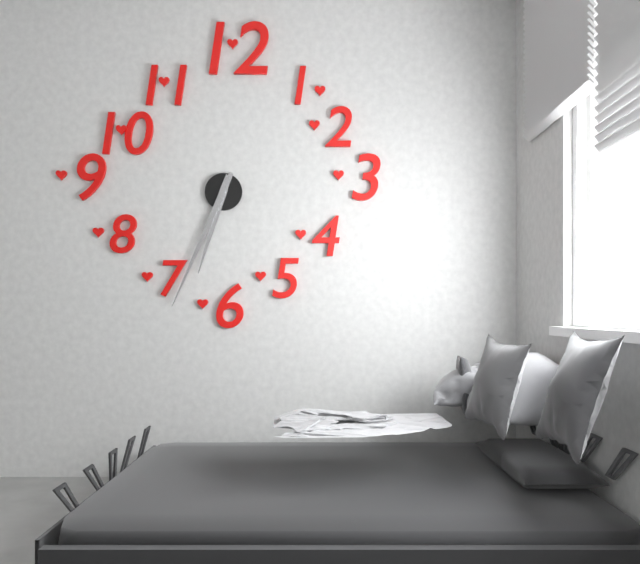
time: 6:34
